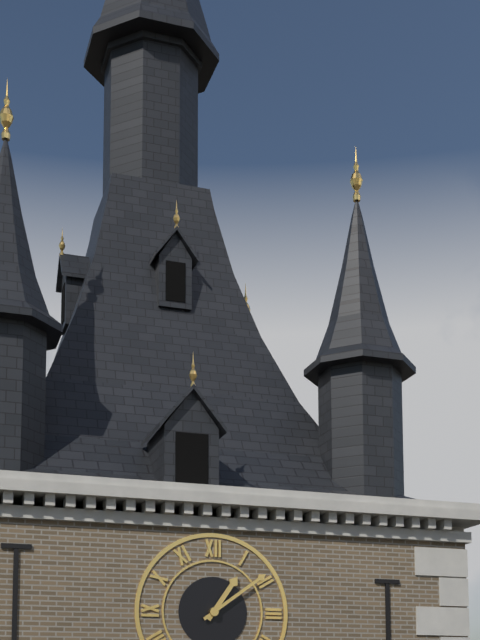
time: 1:09
